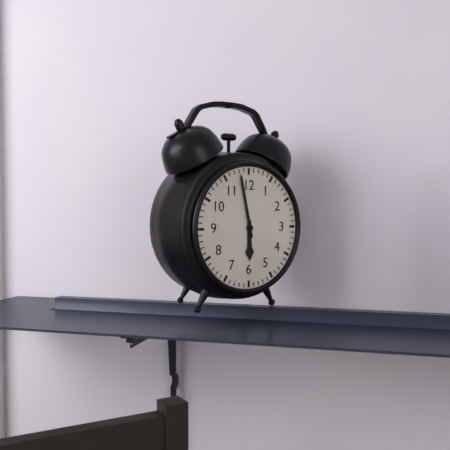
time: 5:58
